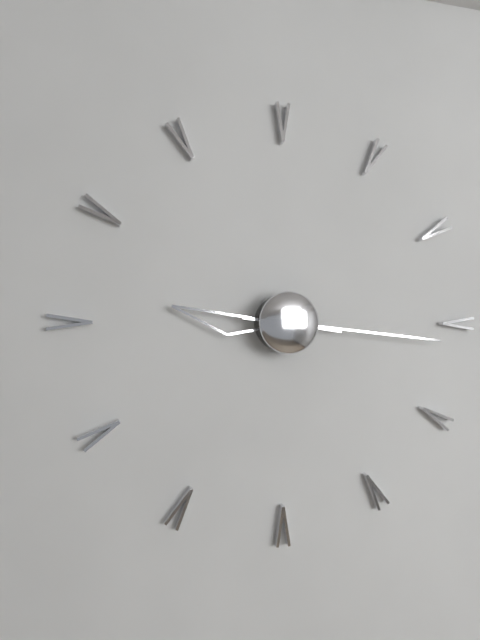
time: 9:16
